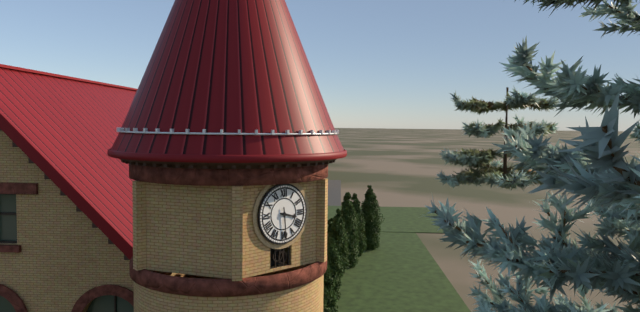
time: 3:29
